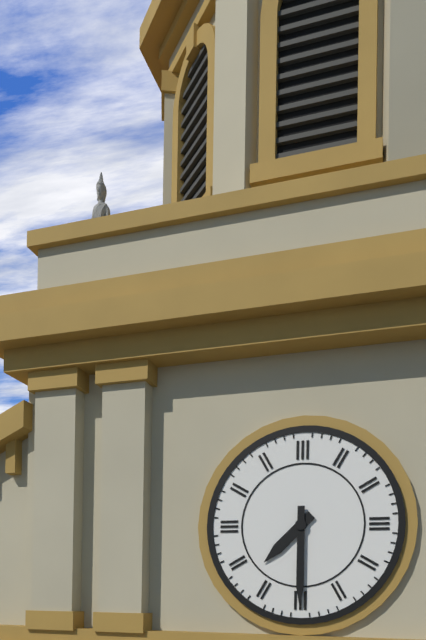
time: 7:30
